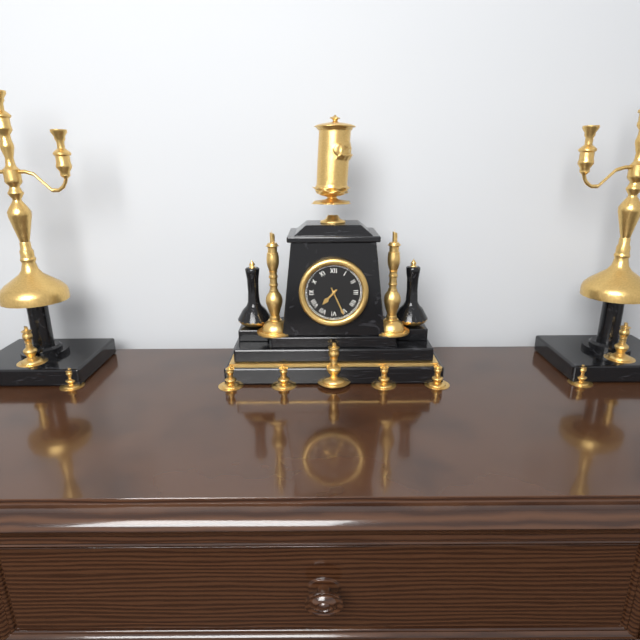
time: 7:26
